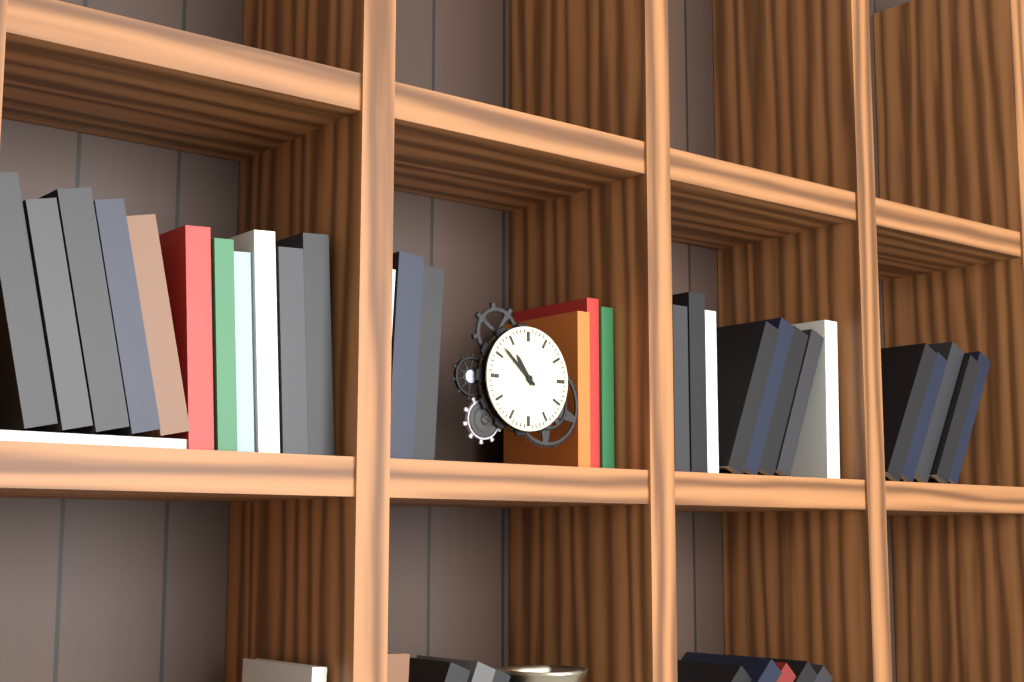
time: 10:52
